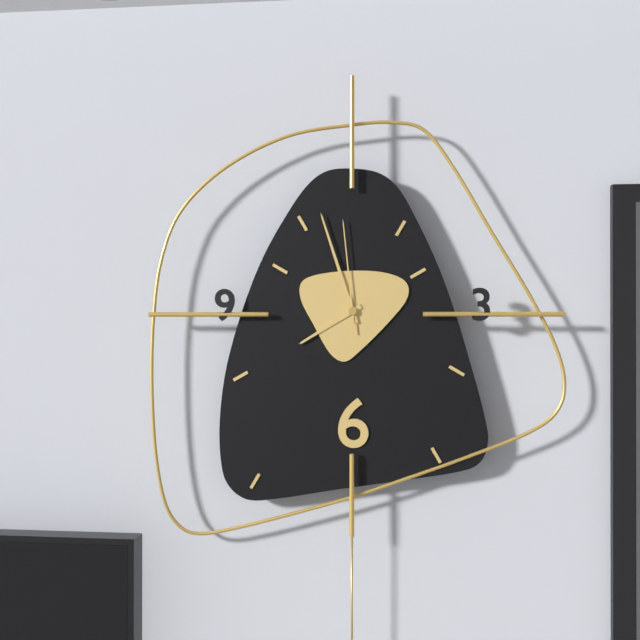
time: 7:57:59
